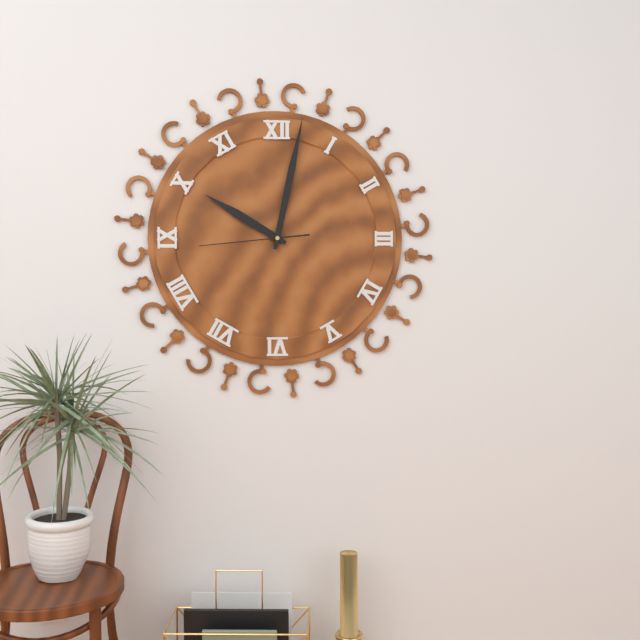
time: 10:02:44
